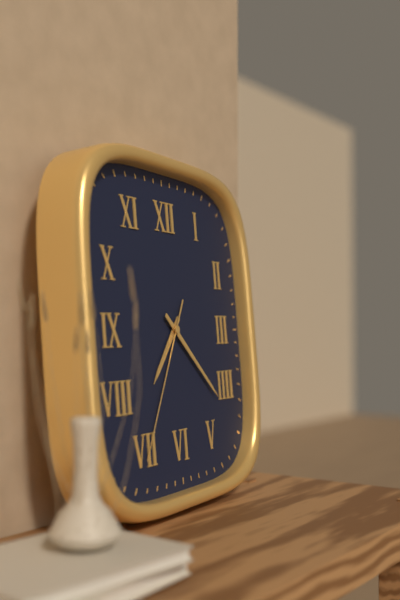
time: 7:22:35
